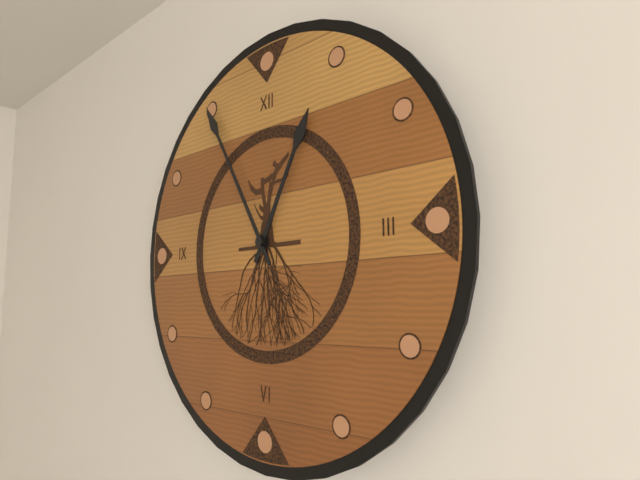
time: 12:55
